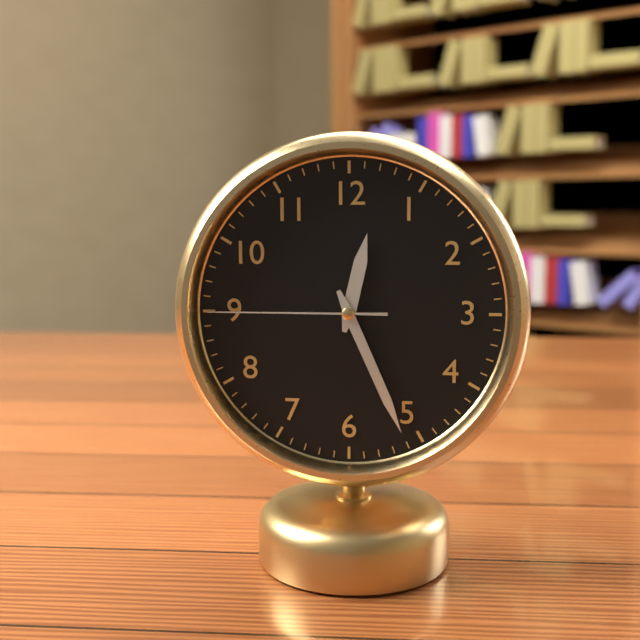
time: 12:26:45
